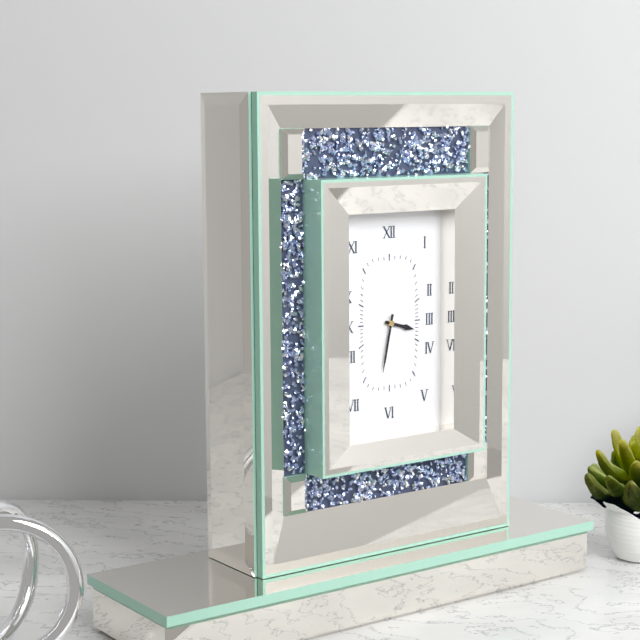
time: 3:32
